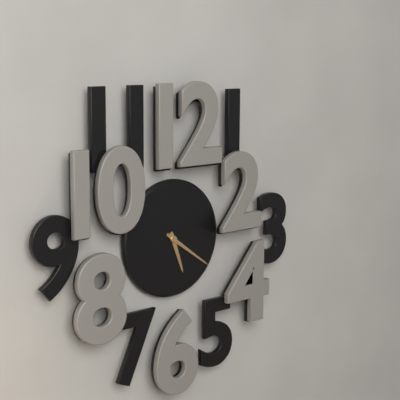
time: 5:21
